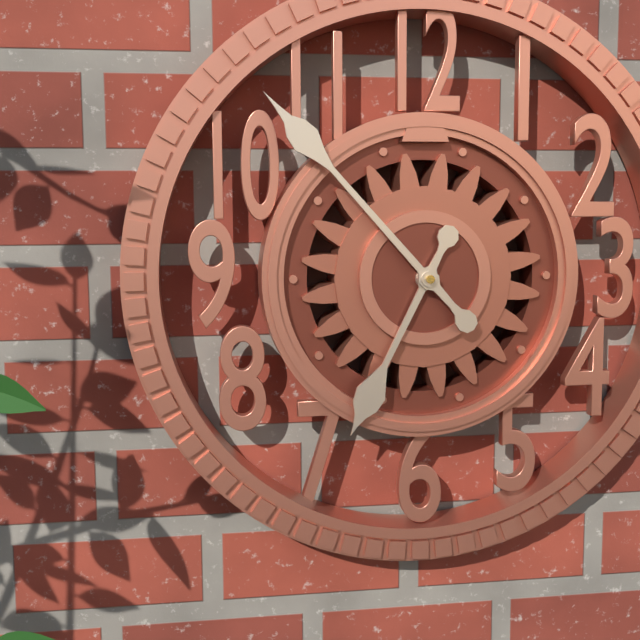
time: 6:53
